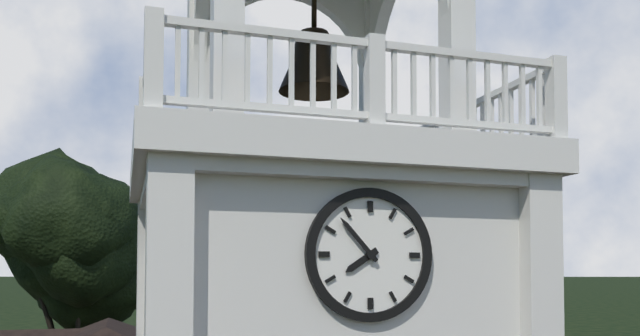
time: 7:53
